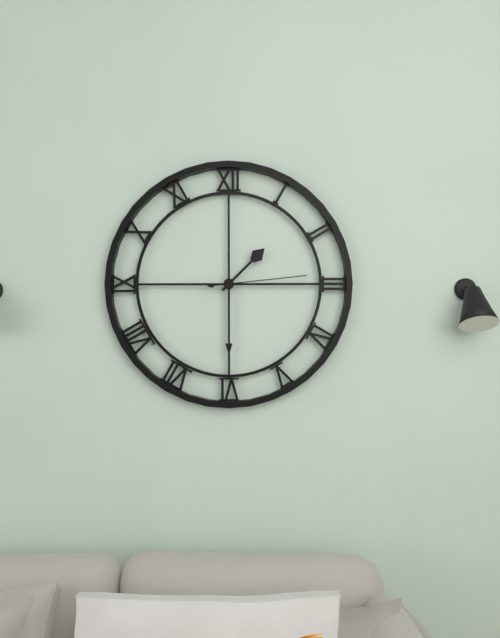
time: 1:30:14
